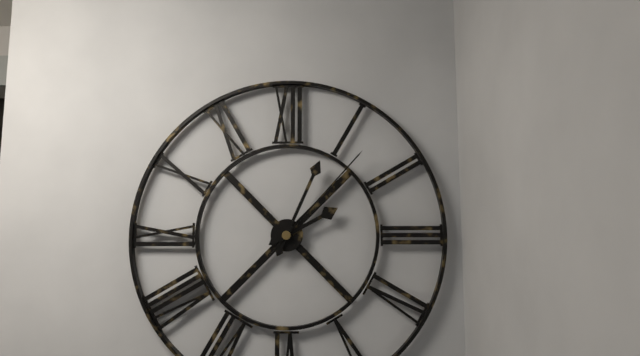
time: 2:04:07
